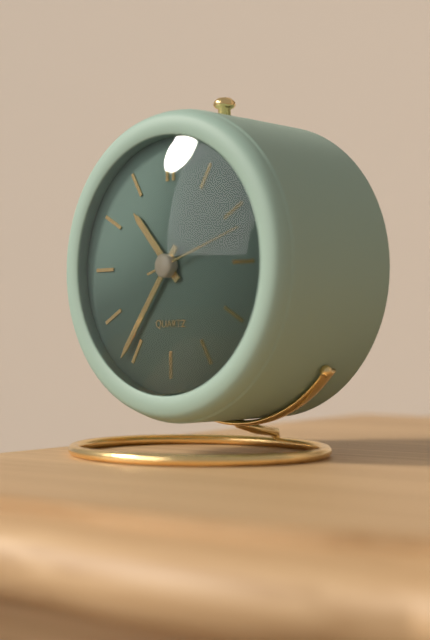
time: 10:36:12
